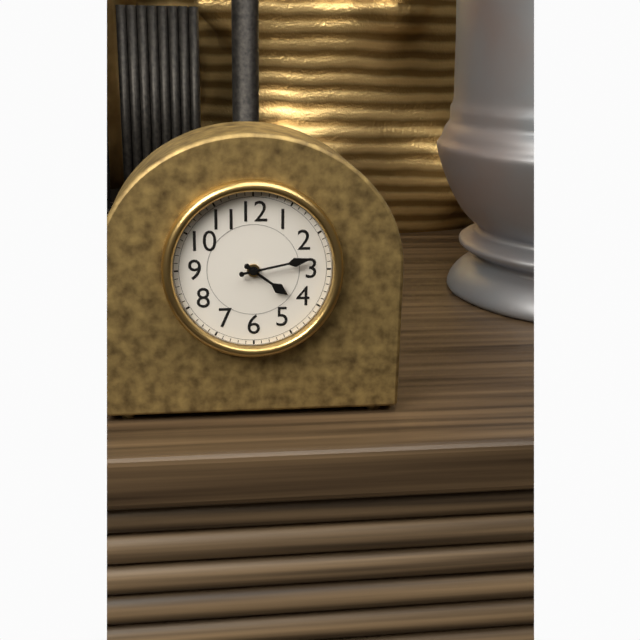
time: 4:13
